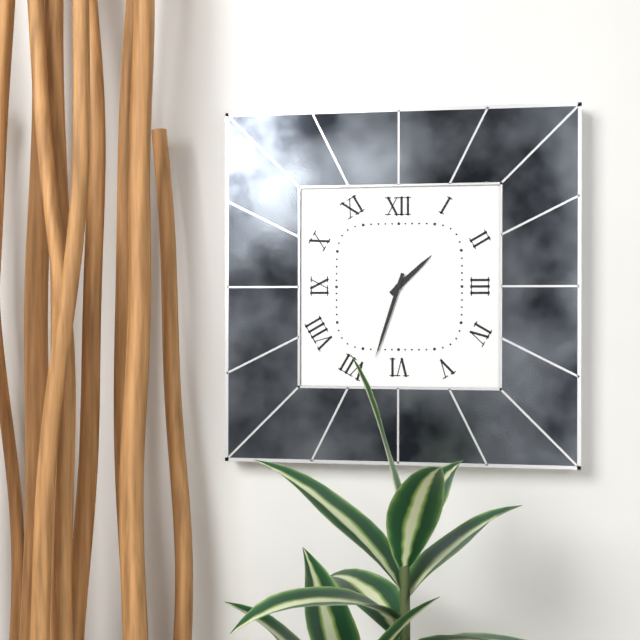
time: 1:33
